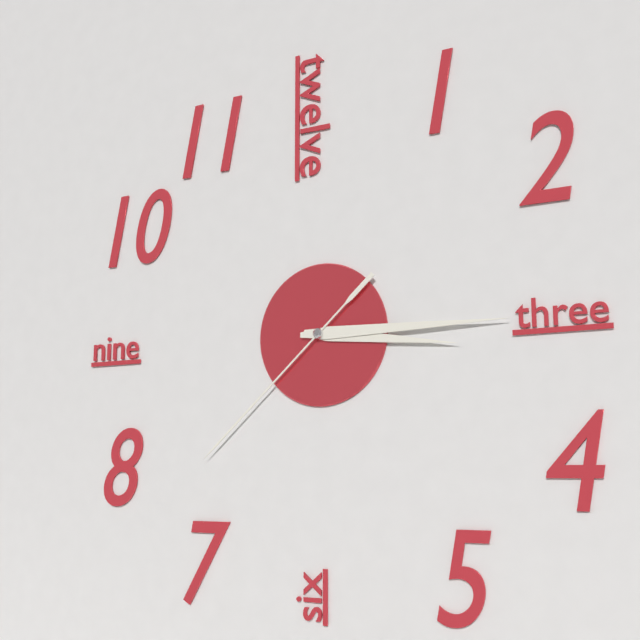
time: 3:15:38
